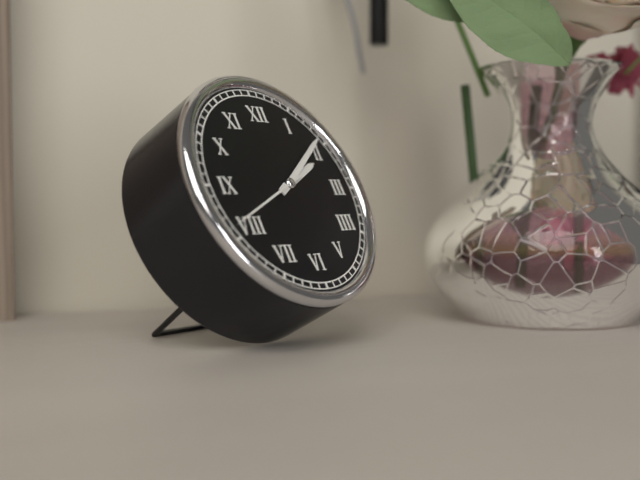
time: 2:09:41
